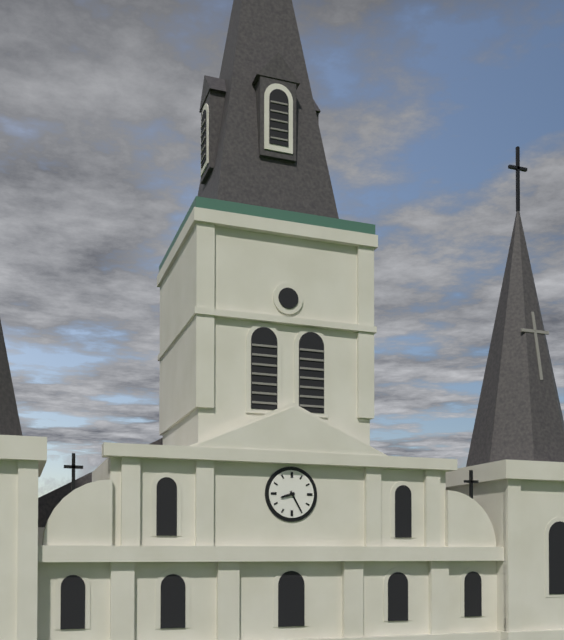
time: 8:25
